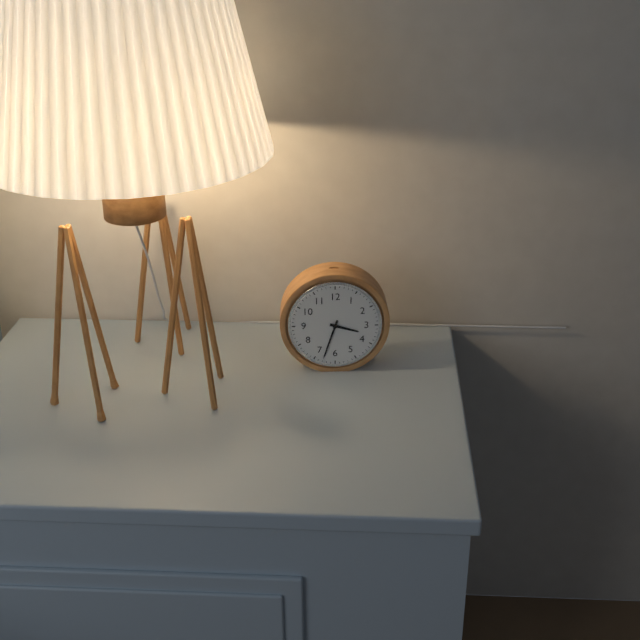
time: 3:33
